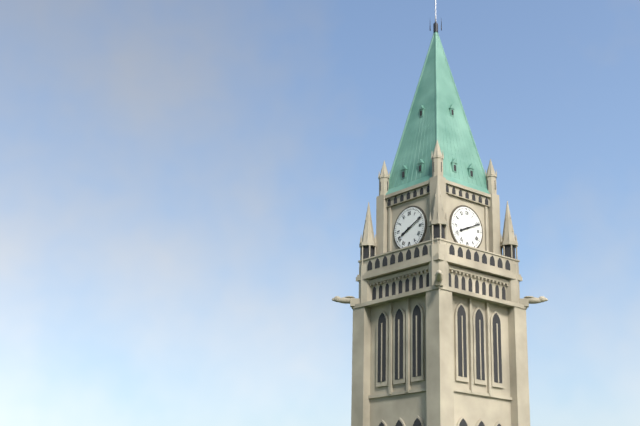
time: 8:11
